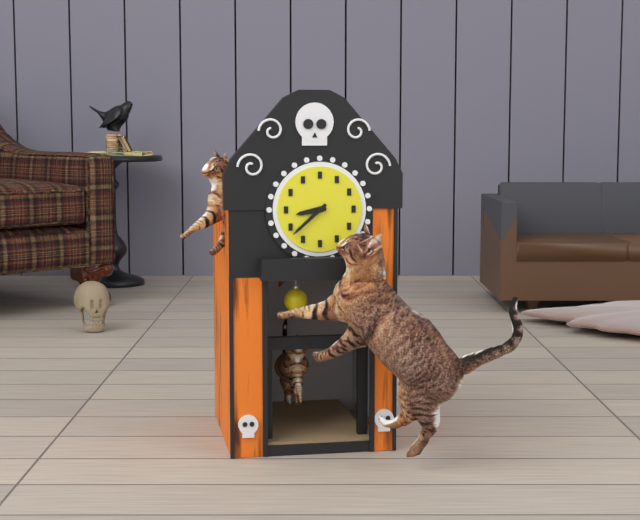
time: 8:38
